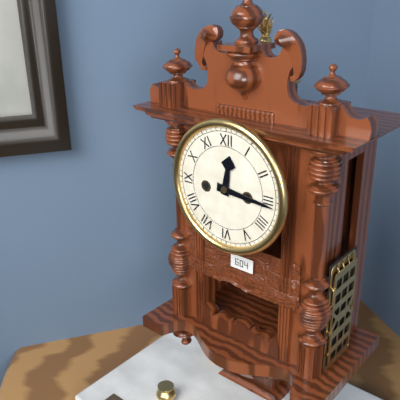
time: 12:16
